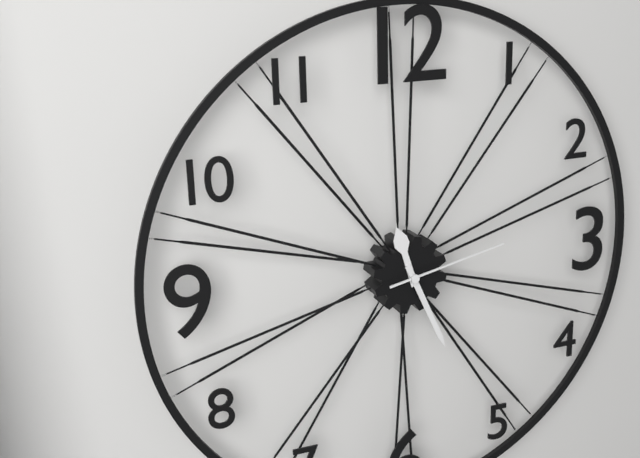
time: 11:26:13
